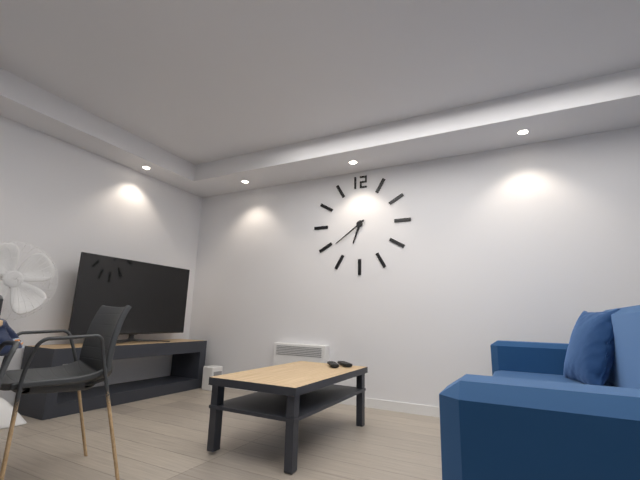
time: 6:39
